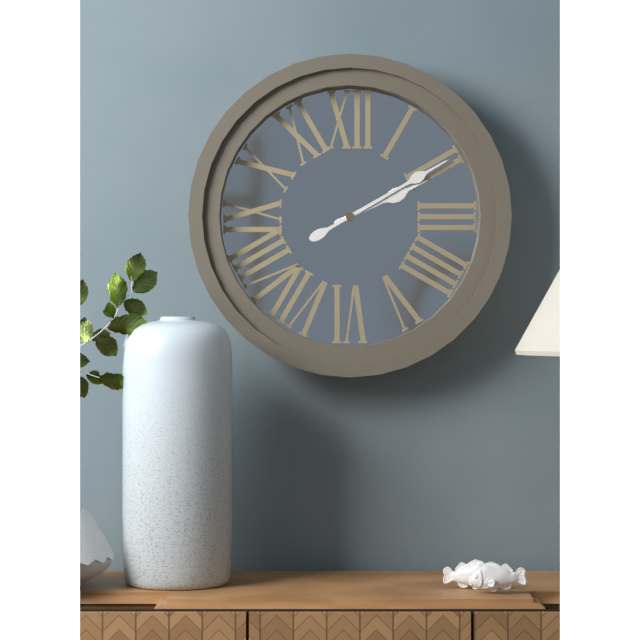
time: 2:10
